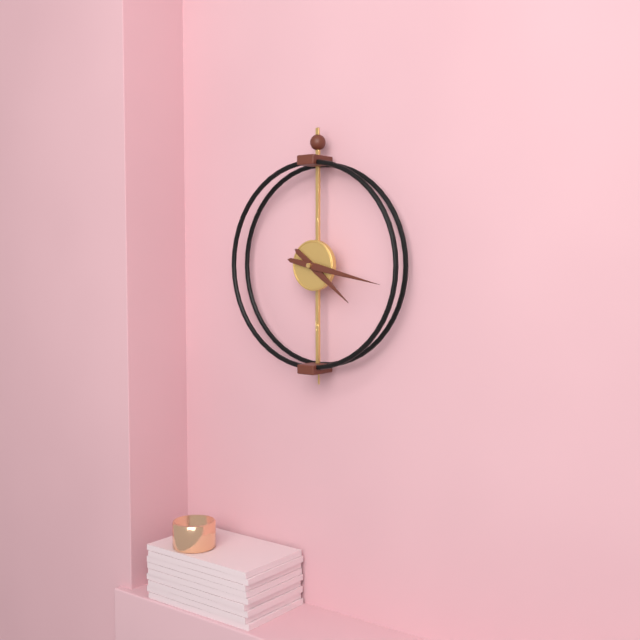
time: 4:17
